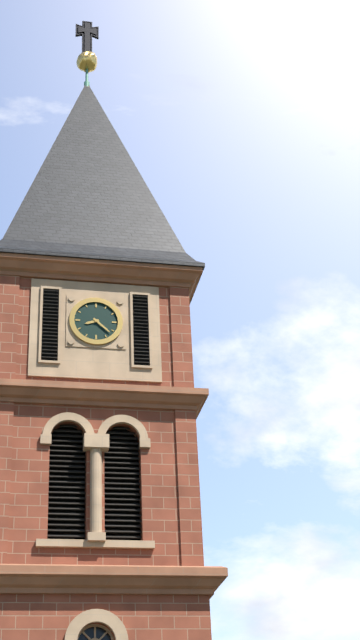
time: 8:22
